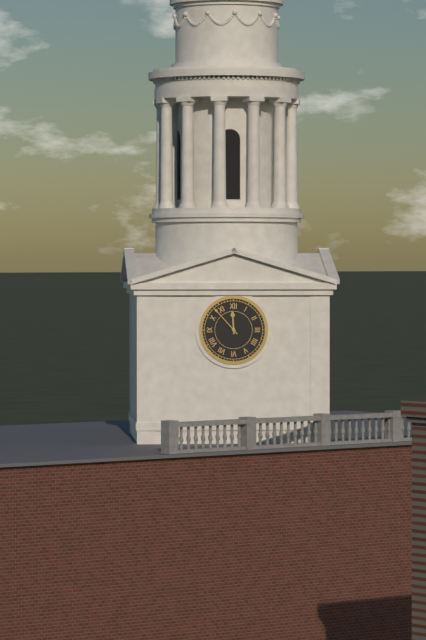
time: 11:53
